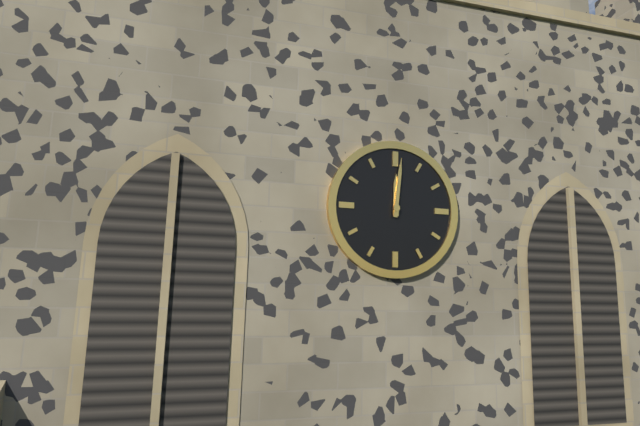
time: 12:01
